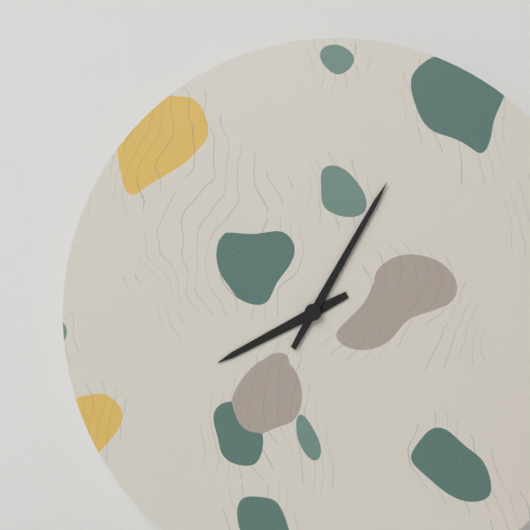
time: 8:05
